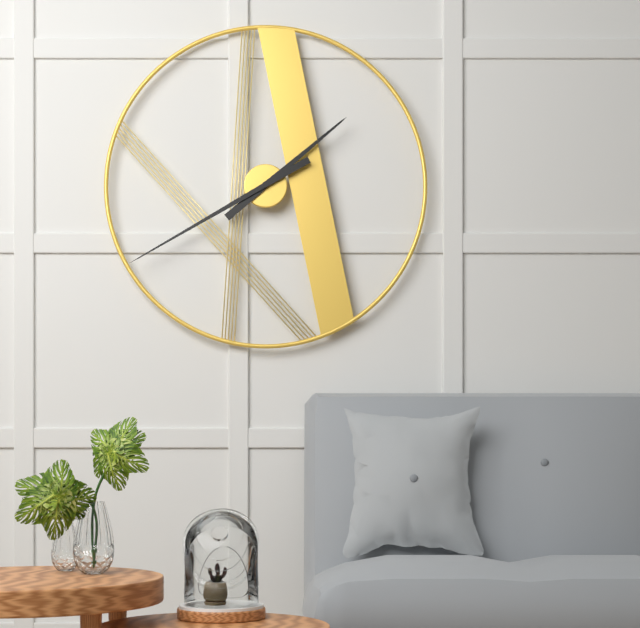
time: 1:40
